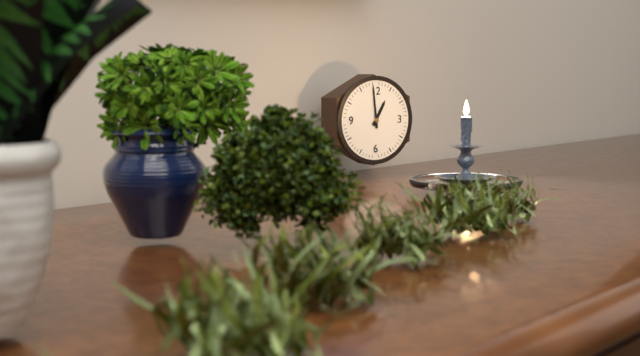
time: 12:59
